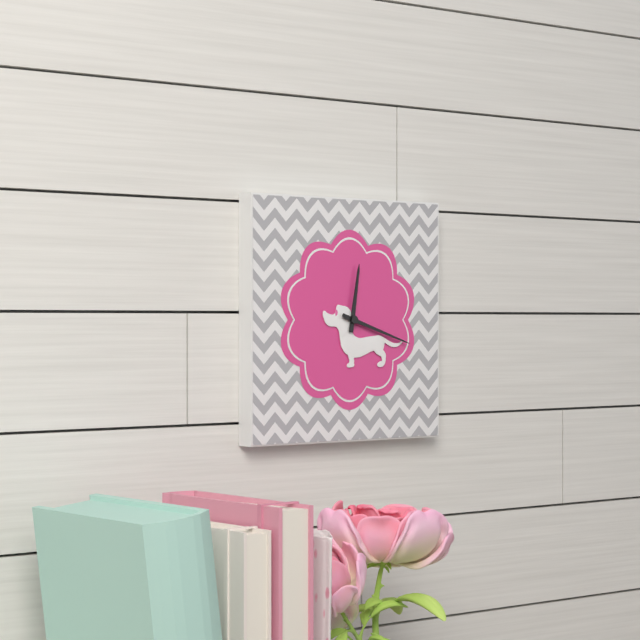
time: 12:18
